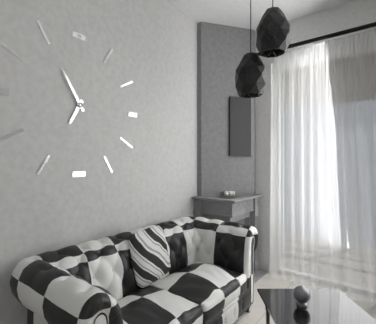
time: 6:55
